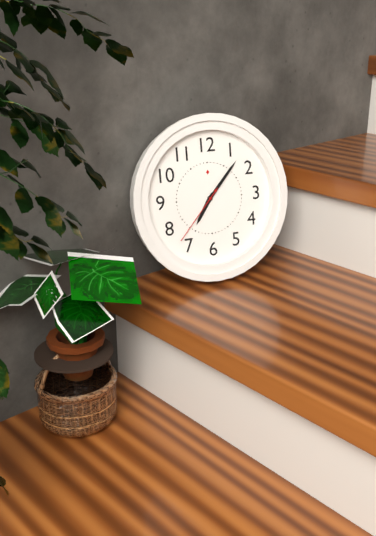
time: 7:07:37
